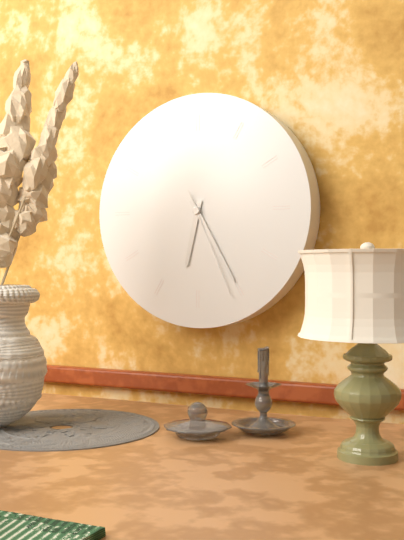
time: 6:25:26
